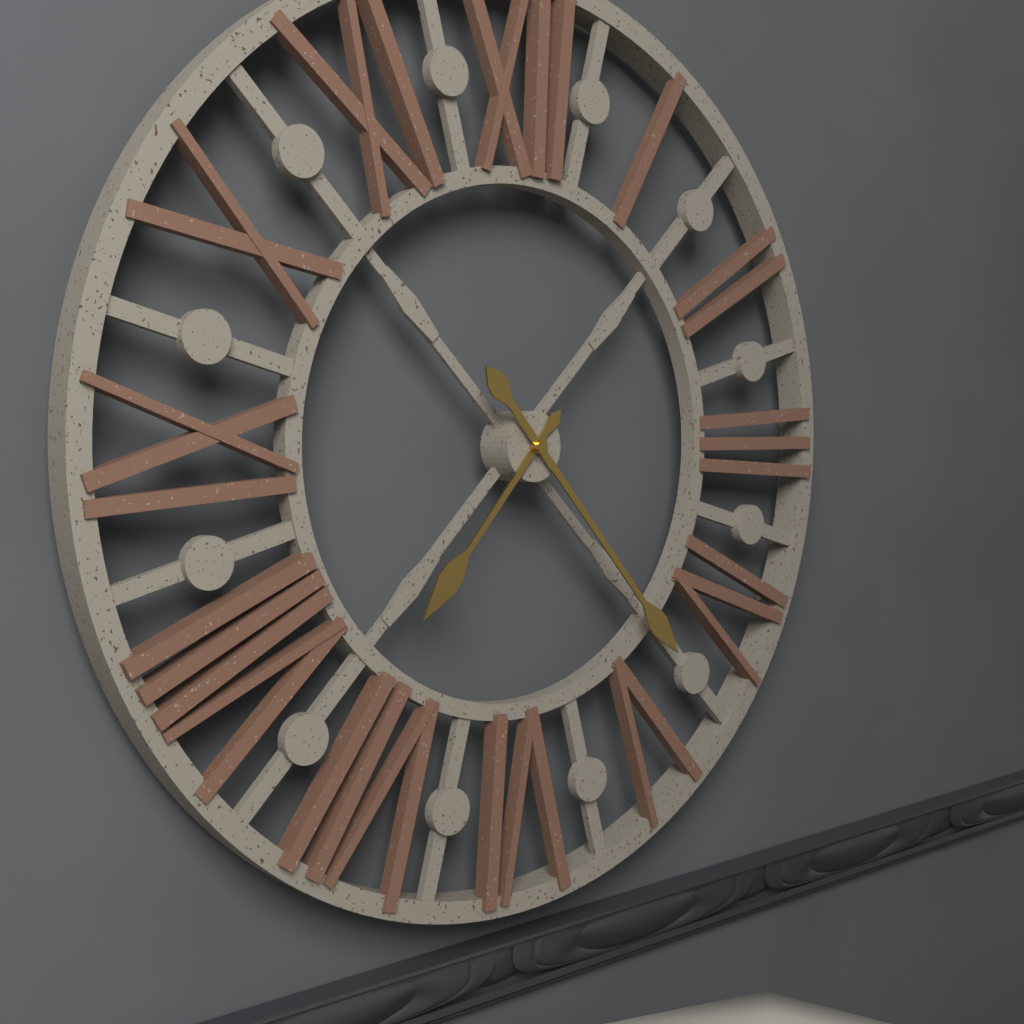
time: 7:23
